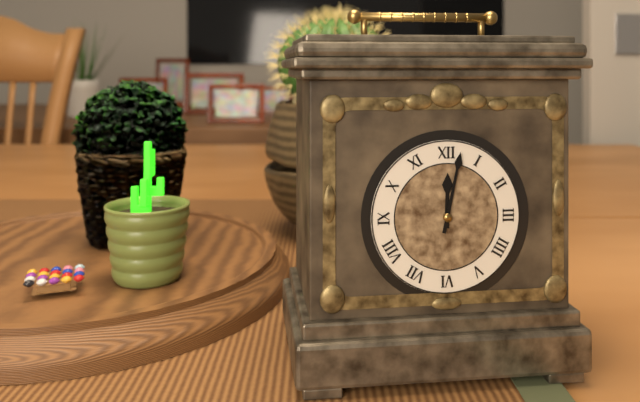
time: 12:02
